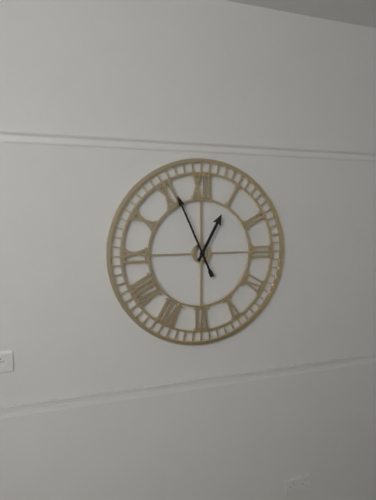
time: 12:56
